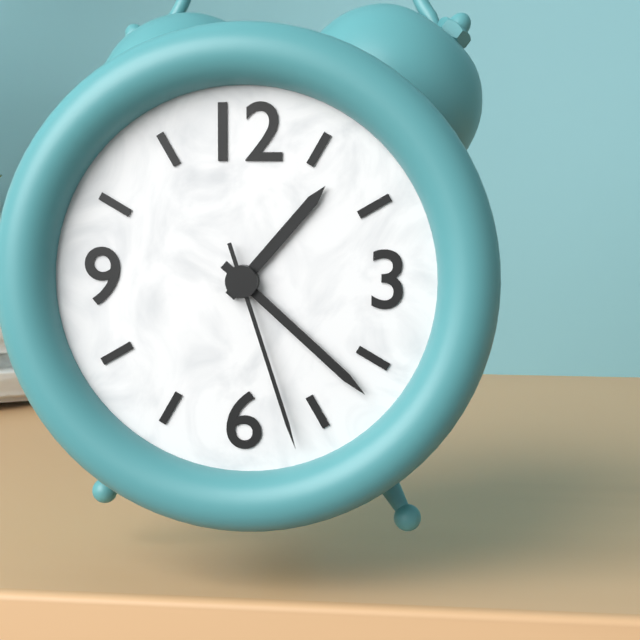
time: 1:22:27
